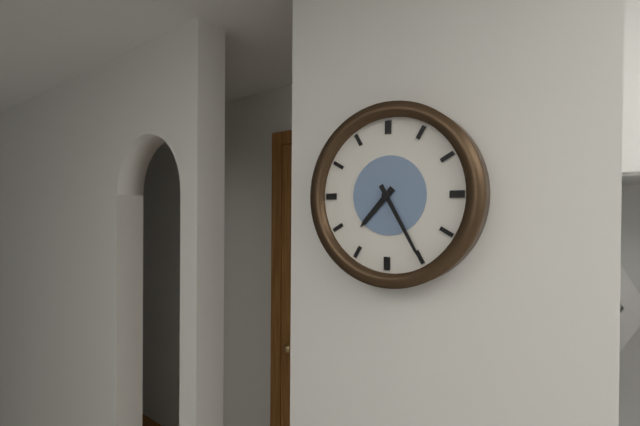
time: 7:25
